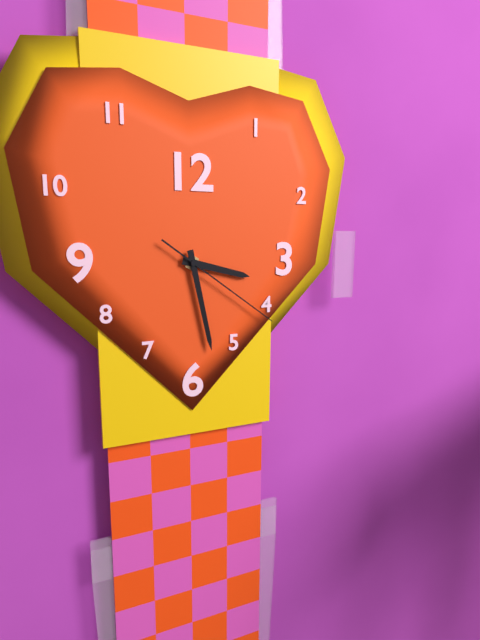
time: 3:28:21
